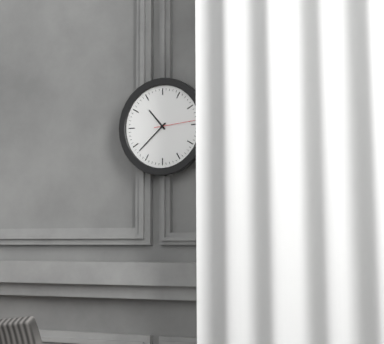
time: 10:38
